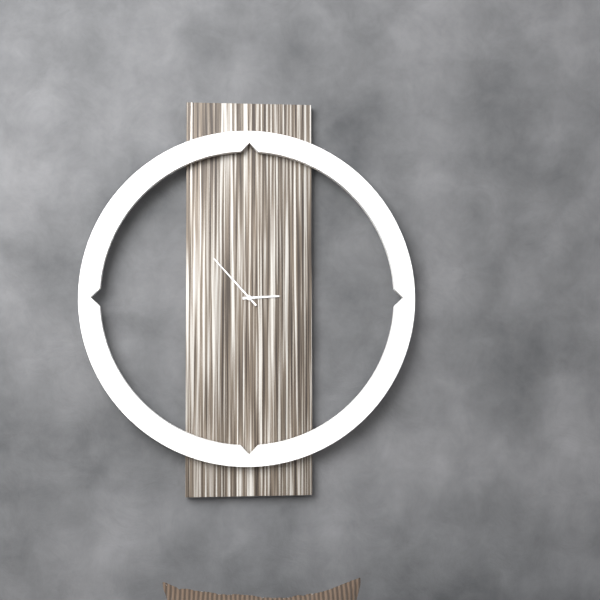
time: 2:53
